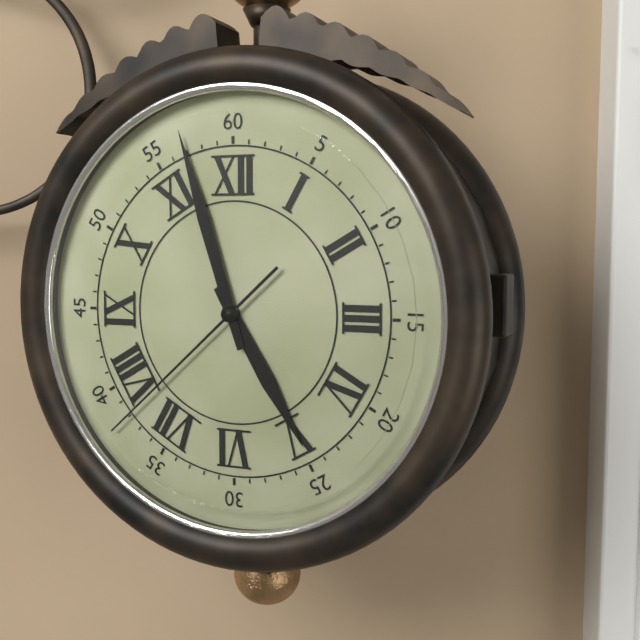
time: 4:57:38
